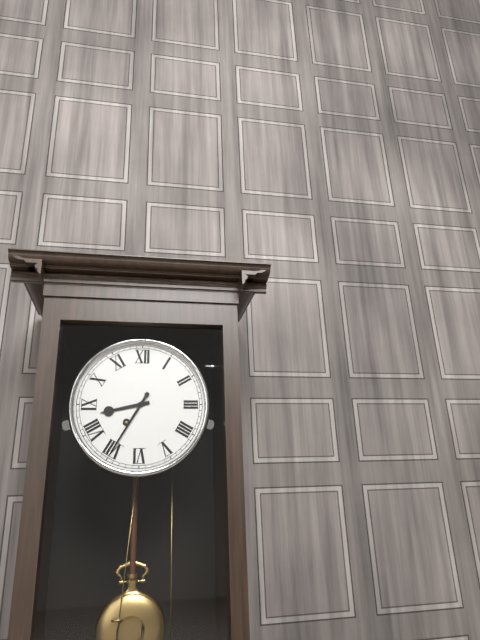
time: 8:35
